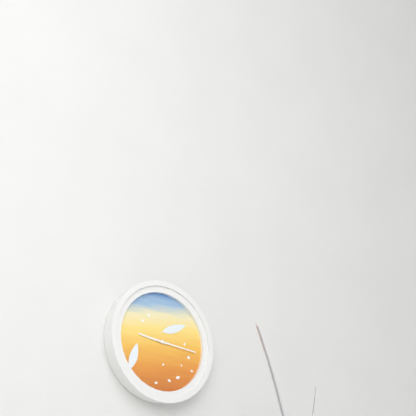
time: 9:16
